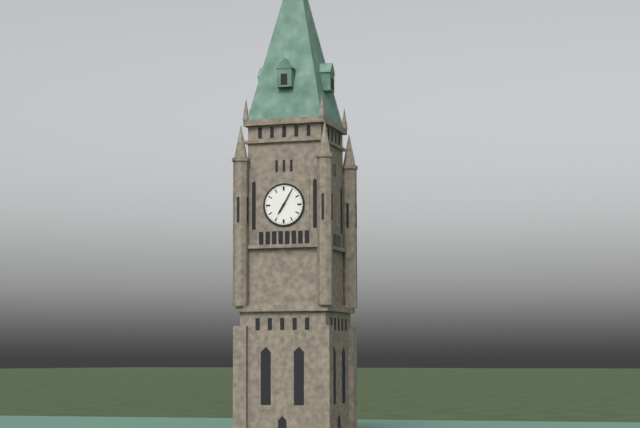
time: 7:05
